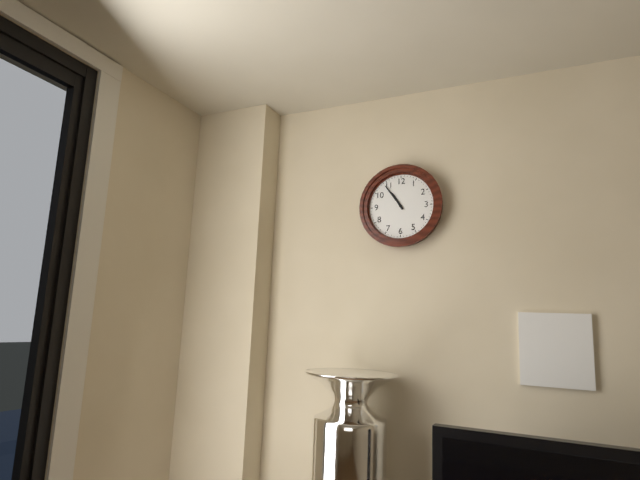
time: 10:54
